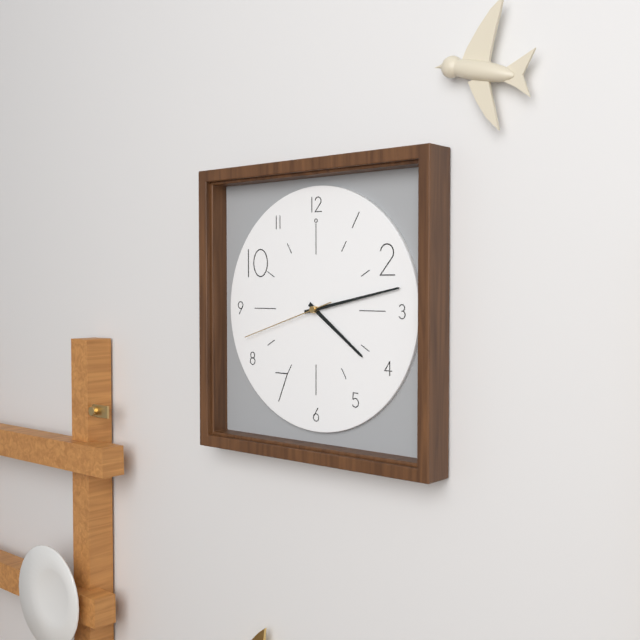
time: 4:13:42
